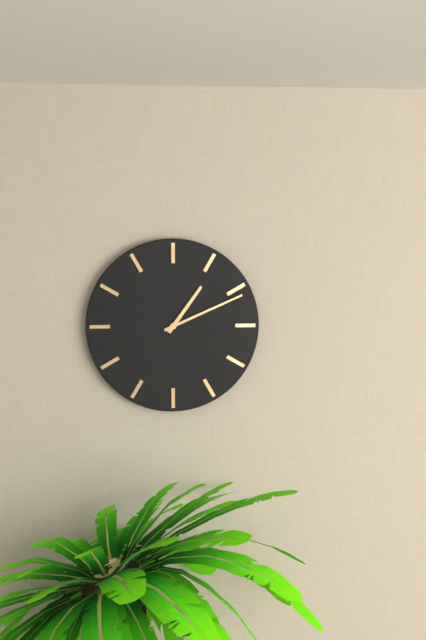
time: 1:11
